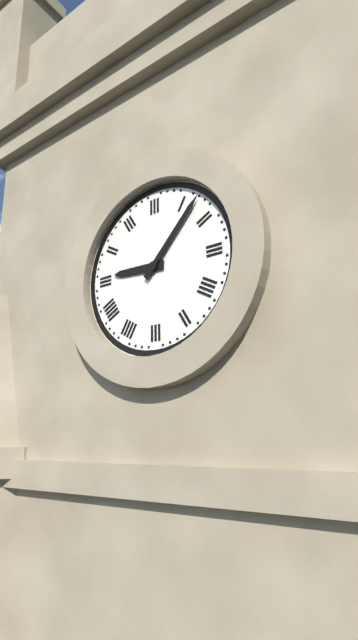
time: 9:07
